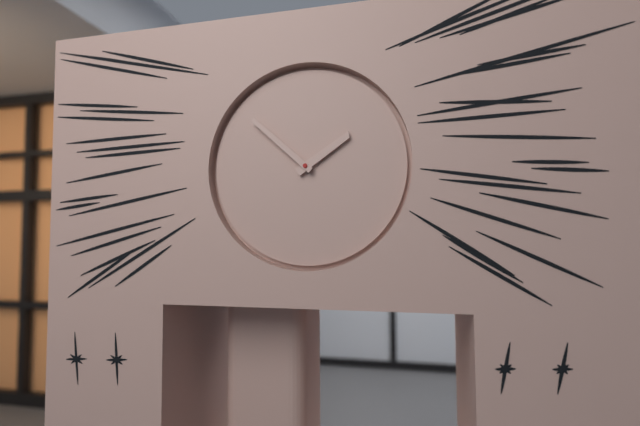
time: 1:52
